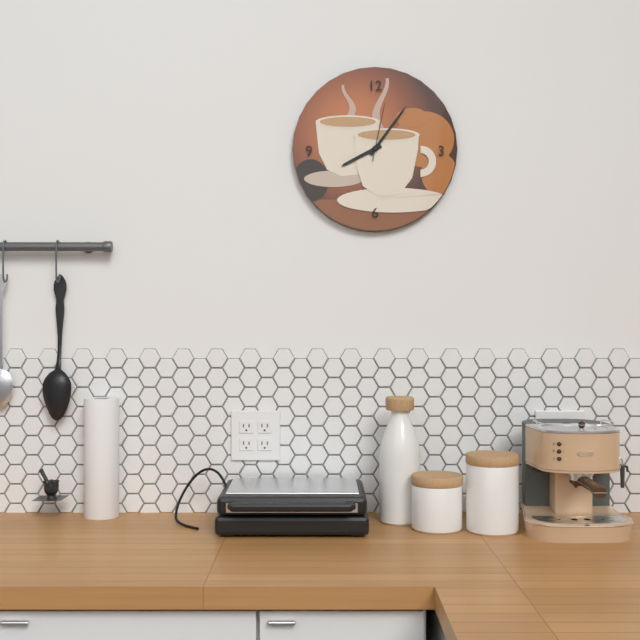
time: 8:06:02
